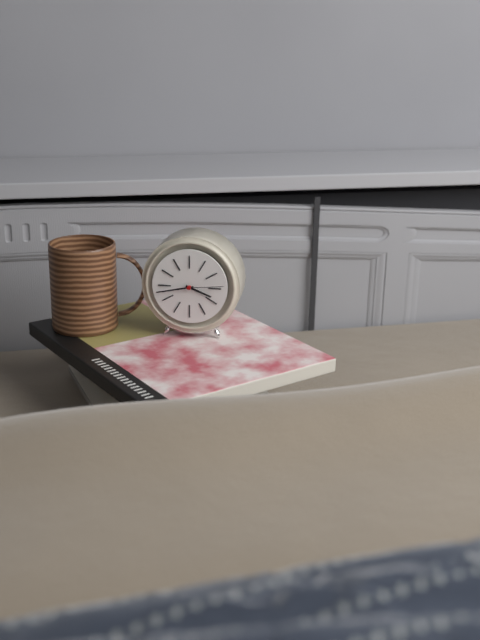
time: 3:43
